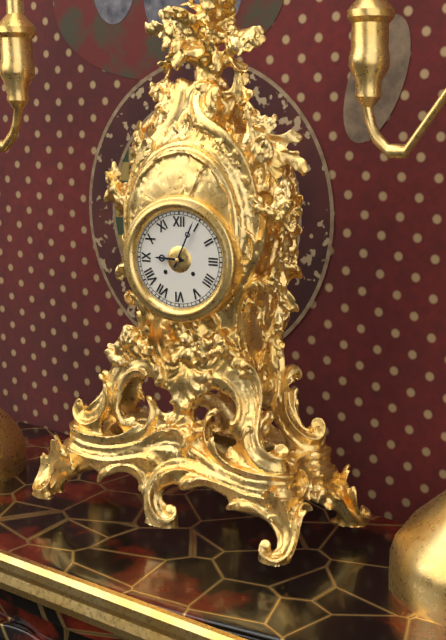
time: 9:04
